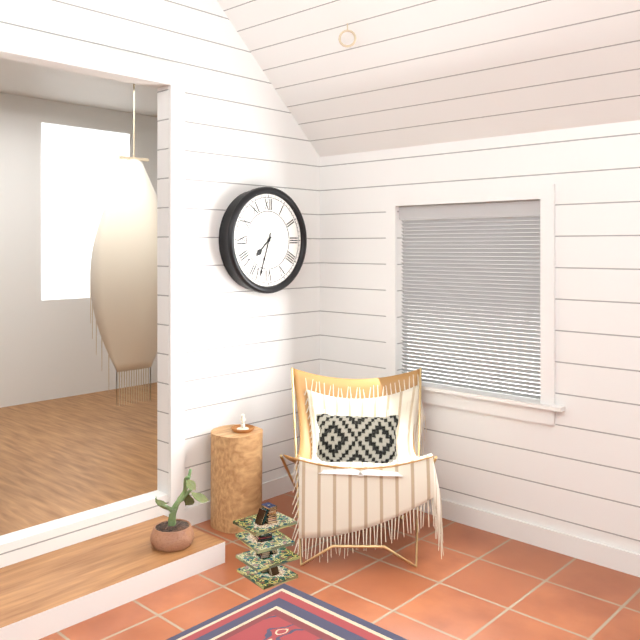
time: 7:33
